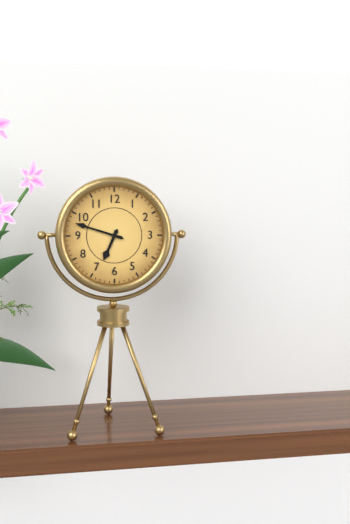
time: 6:48
